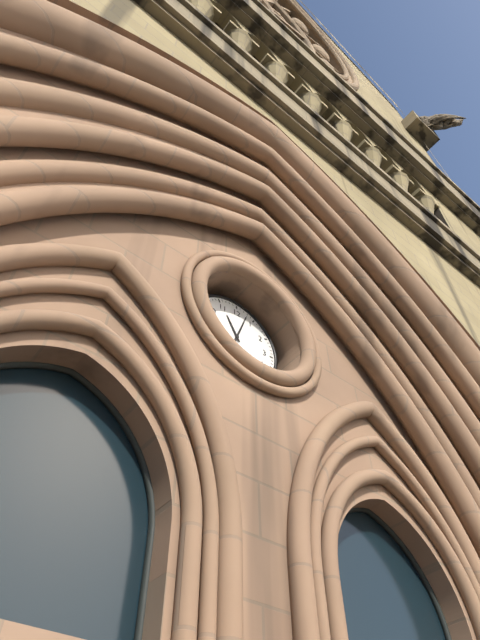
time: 11:03
